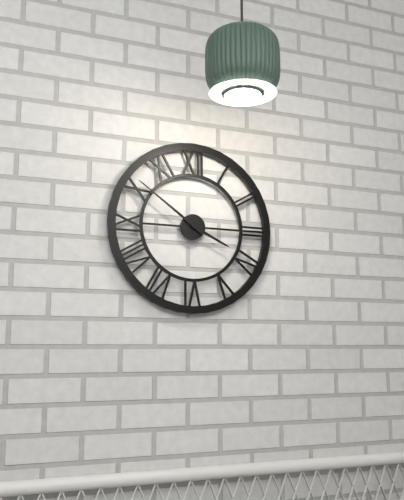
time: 3:51
